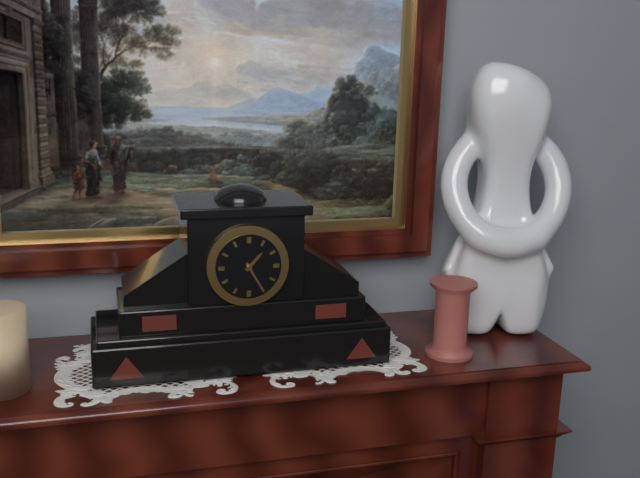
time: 1:25
